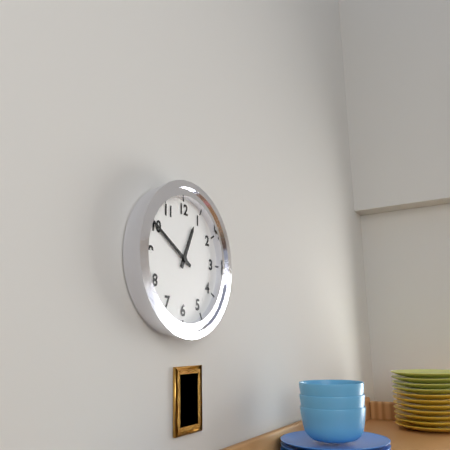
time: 12:50
